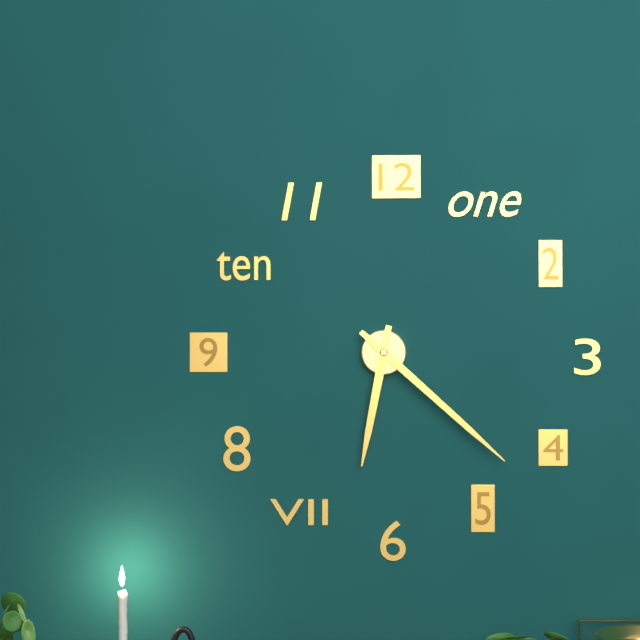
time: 6:22
